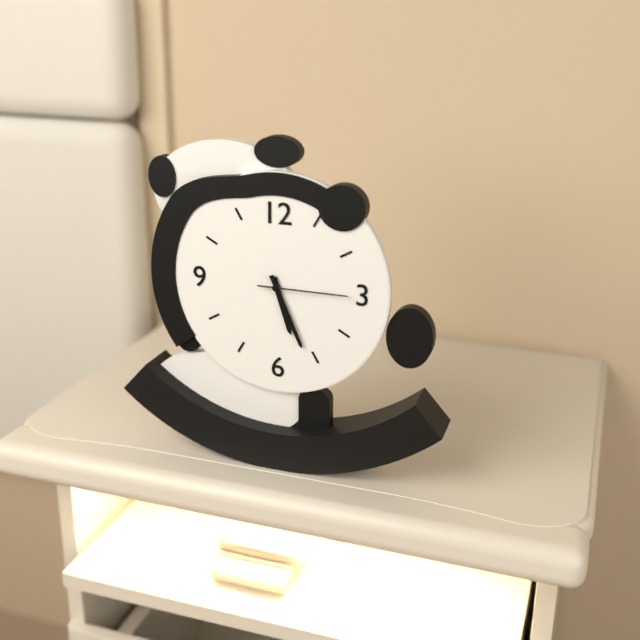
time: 5:26:15
